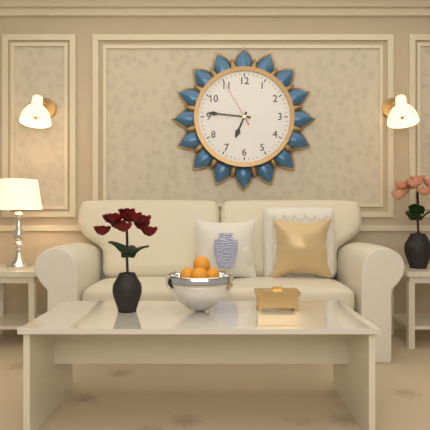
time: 6:46:55
